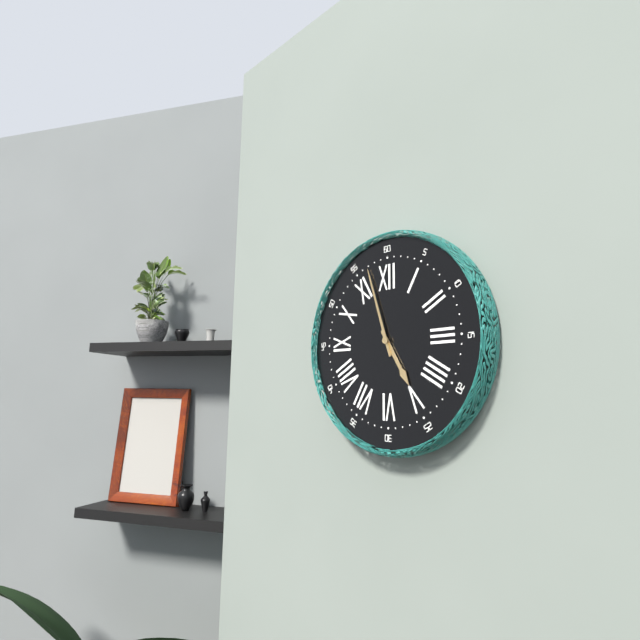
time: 4:57
